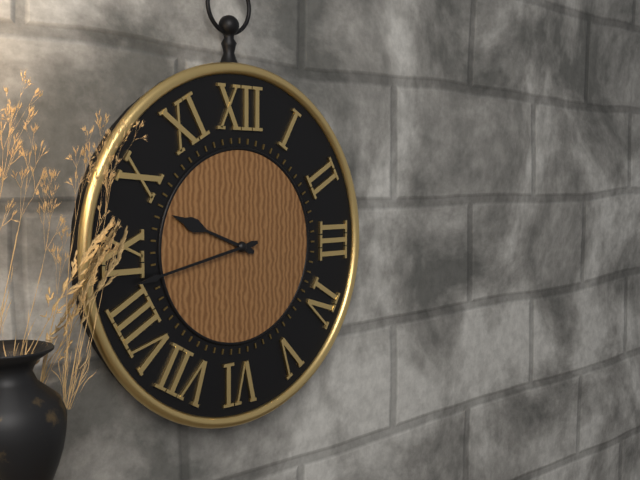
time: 9:43
